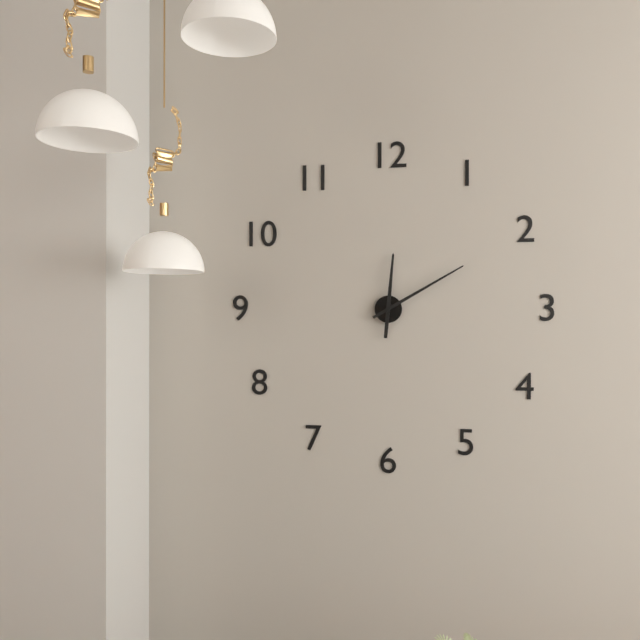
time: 12:10
